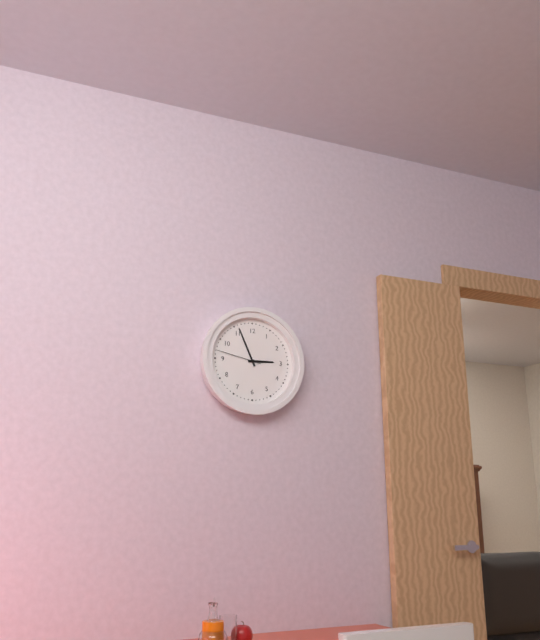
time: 2:56
